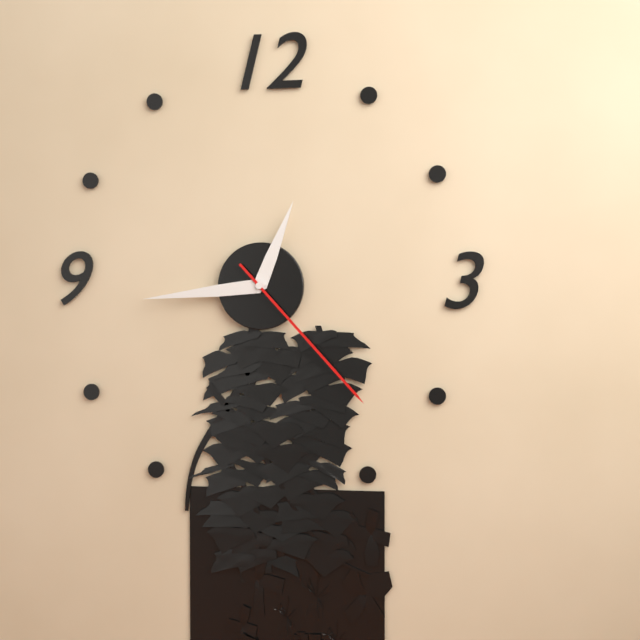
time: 12:44:23
